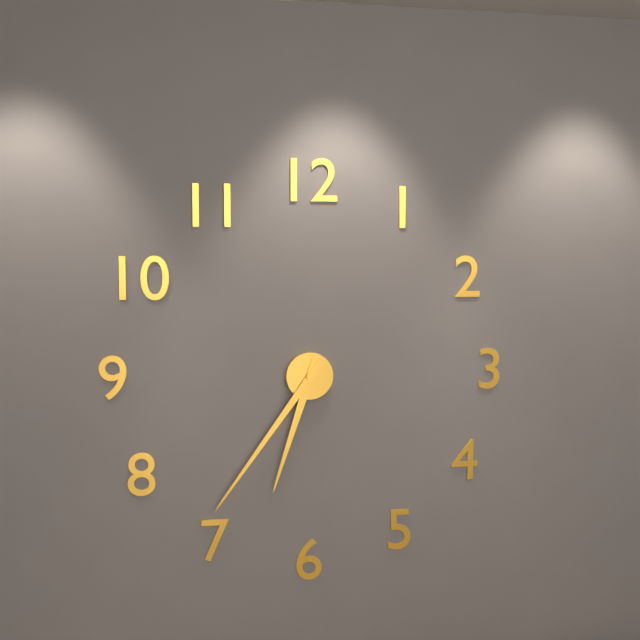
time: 6:36
